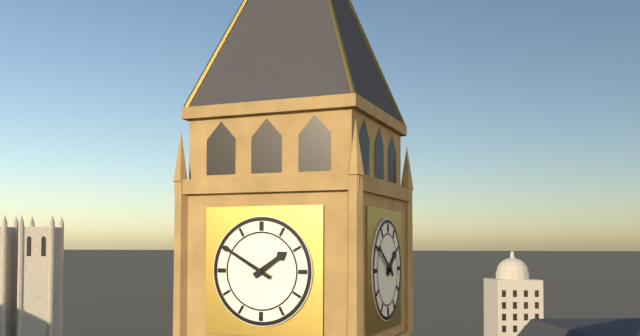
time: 1:50
